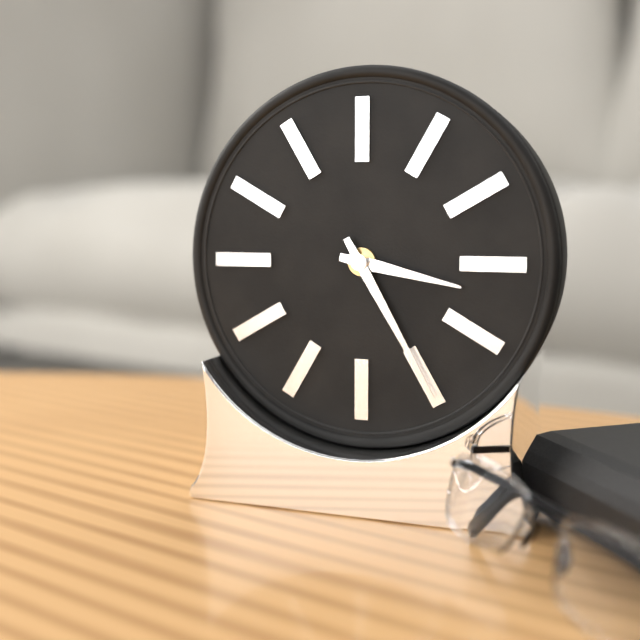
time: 3:25
